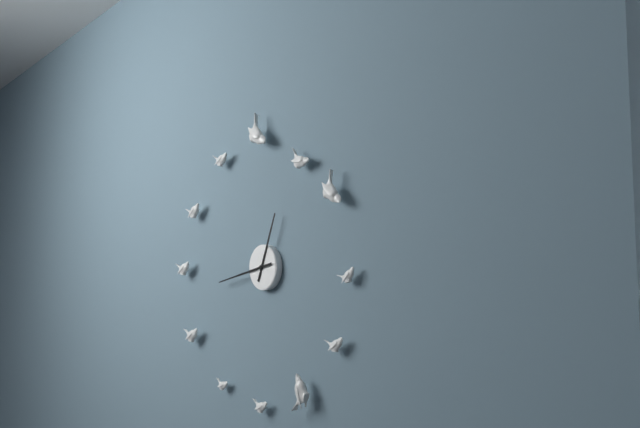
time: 12:43
